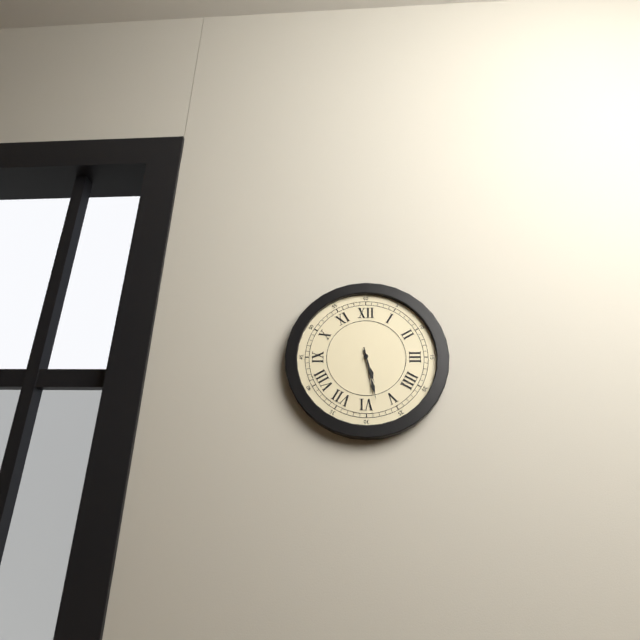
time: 5:28
